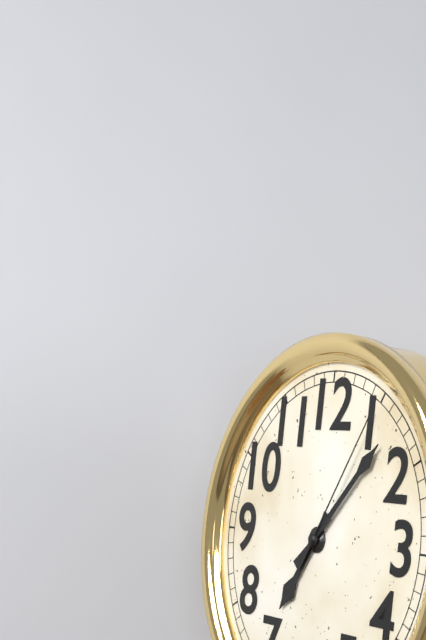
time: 7:07:05
